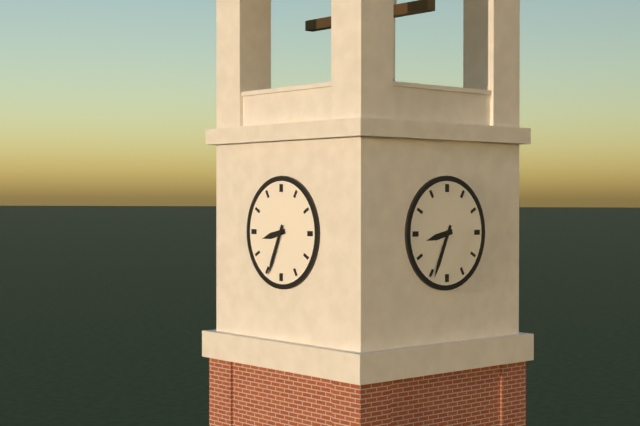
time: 8:34
